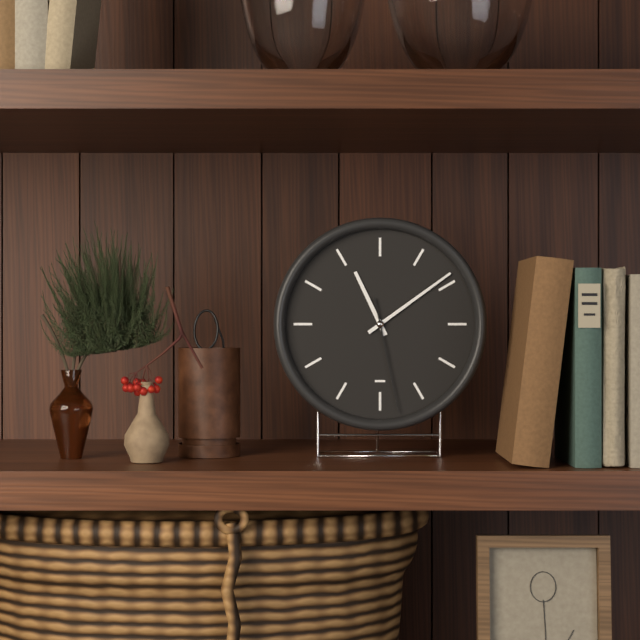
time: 11:09:28
